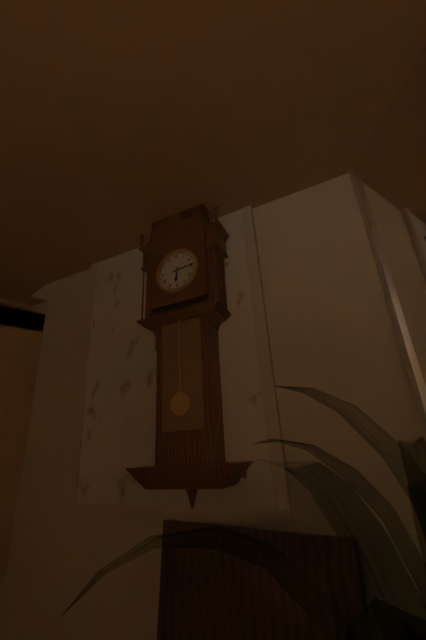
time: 6:14
